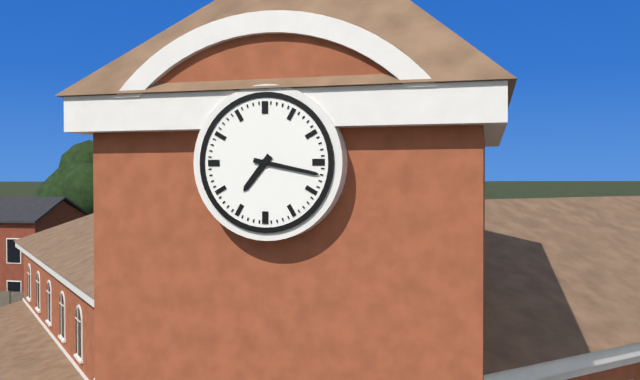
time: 7:17
